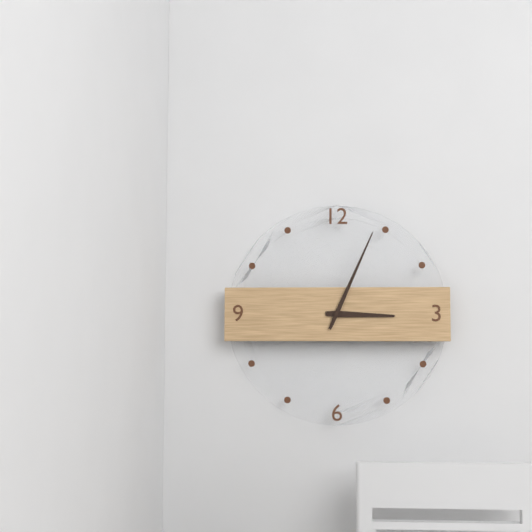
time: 3:04
